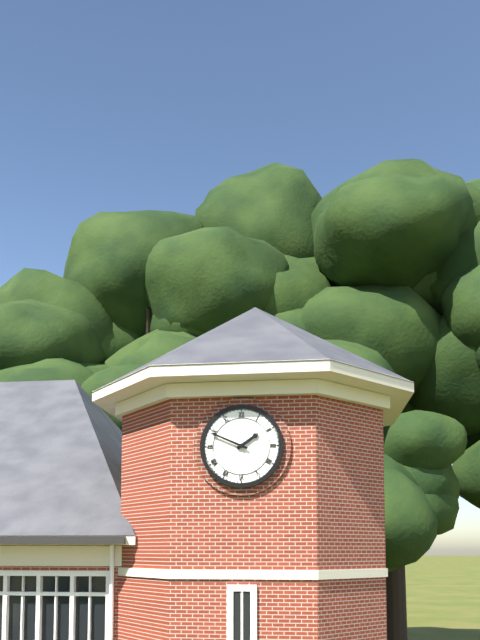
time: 1:49
